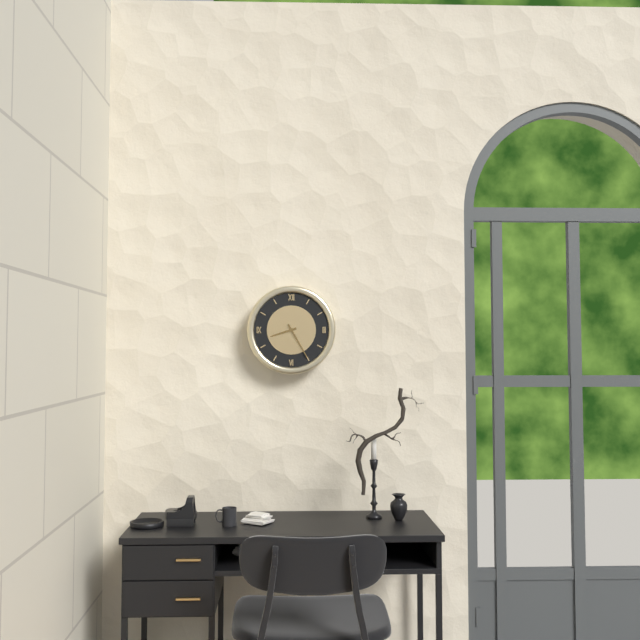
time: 8:25
